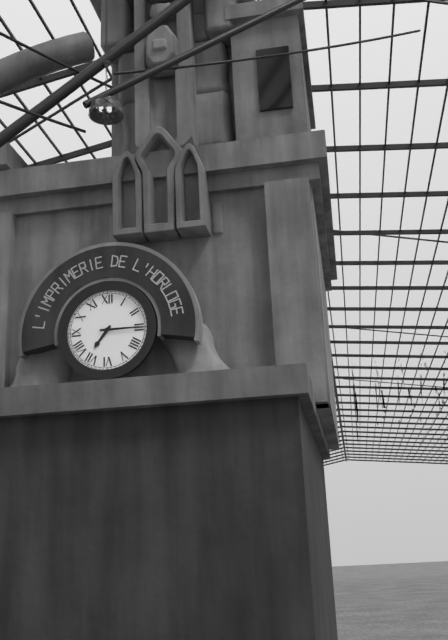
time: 7:15
